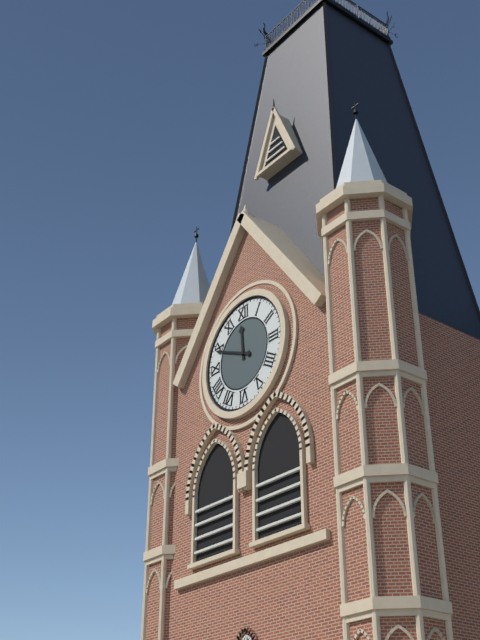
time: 11:49
